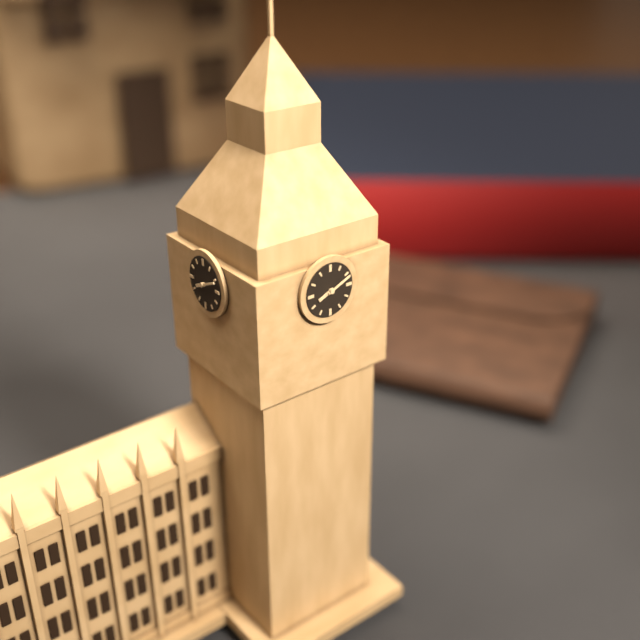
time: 8:11
